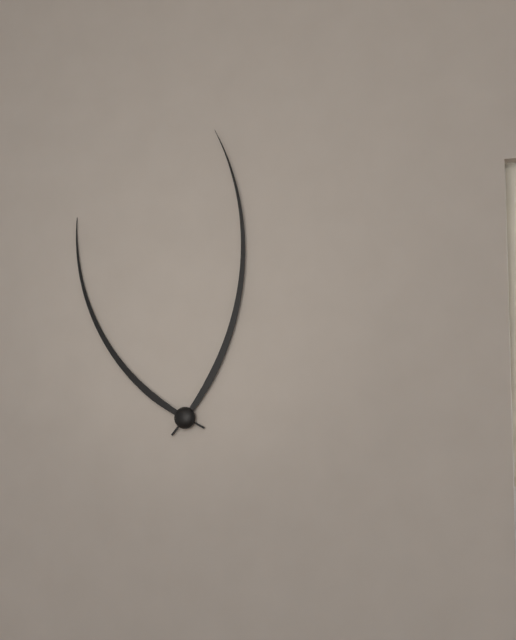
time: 11:01
